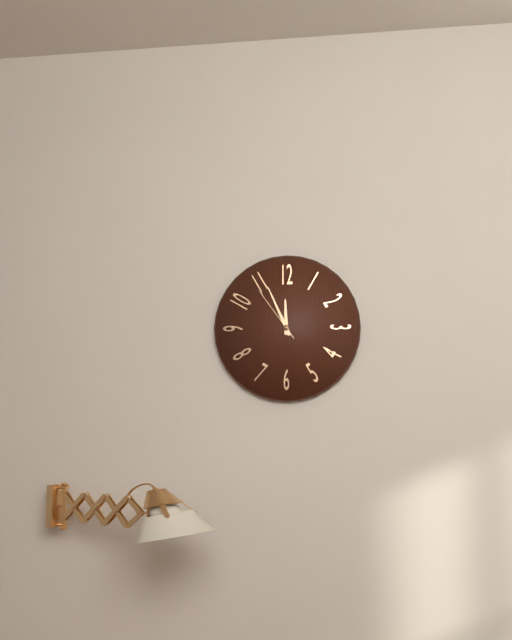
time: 11:56:54
